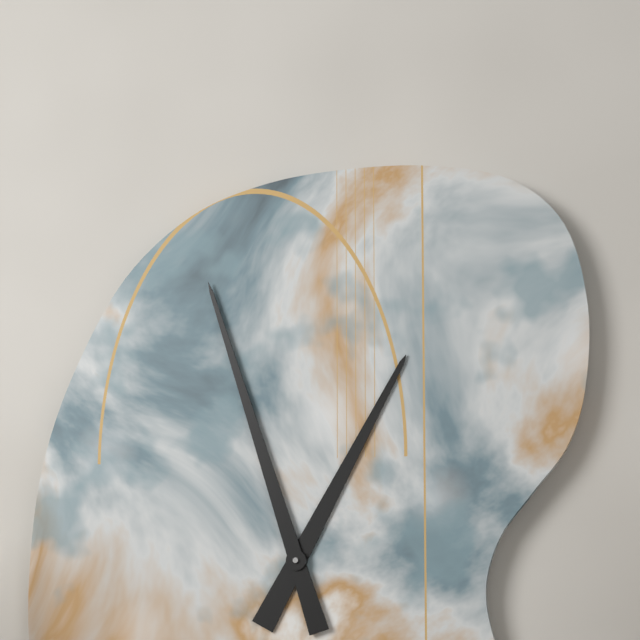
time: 12:57
